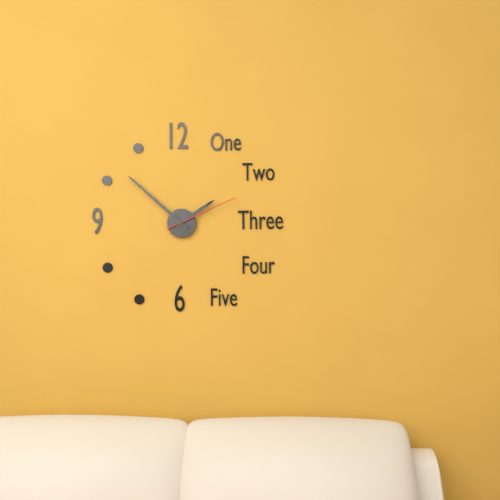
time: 1:52:11
